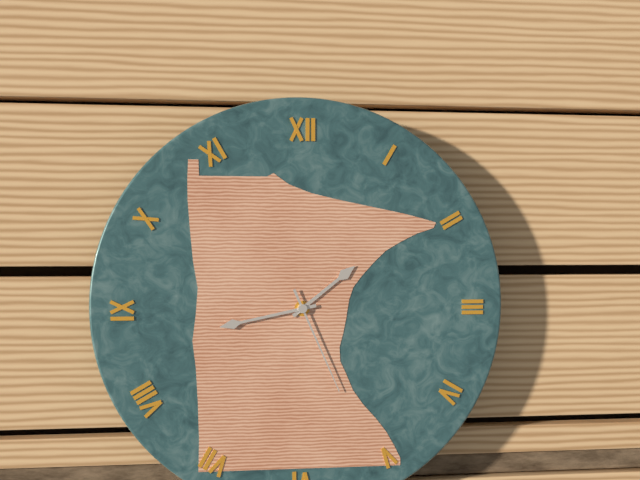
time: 1:43:26
